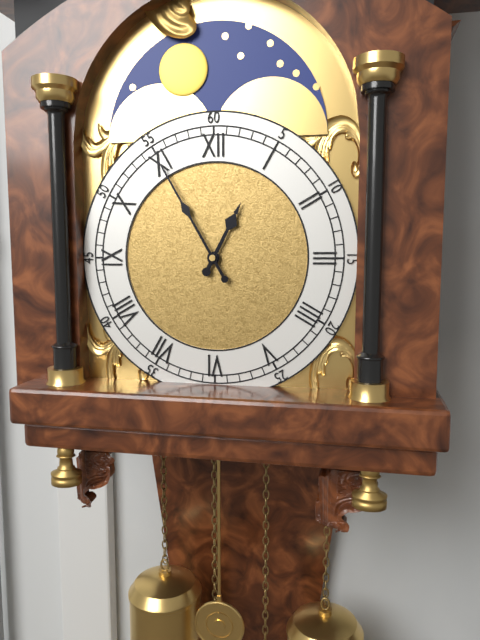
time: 12:55
